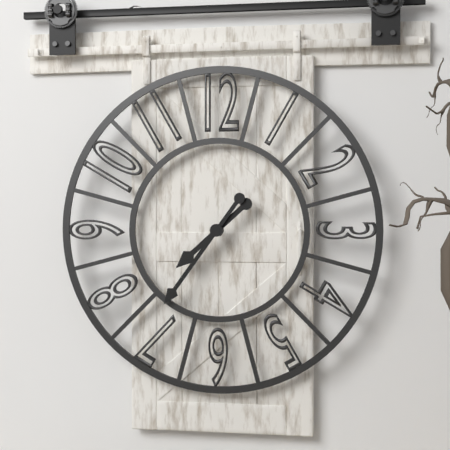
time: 7:36
